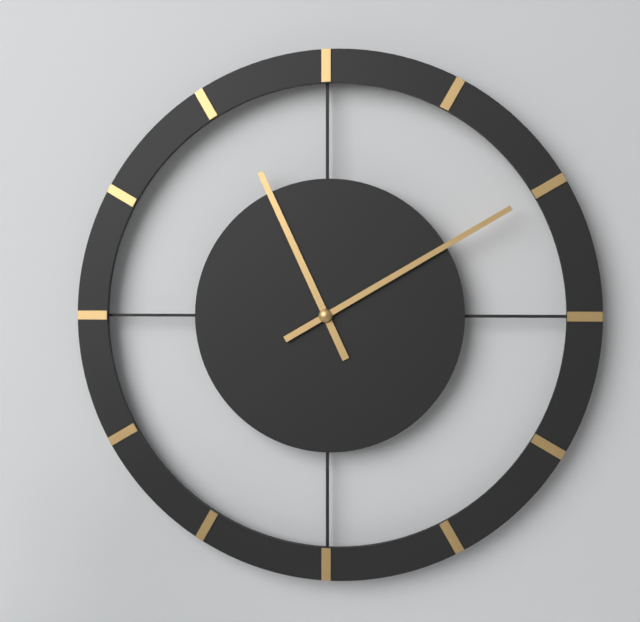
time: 11:10
